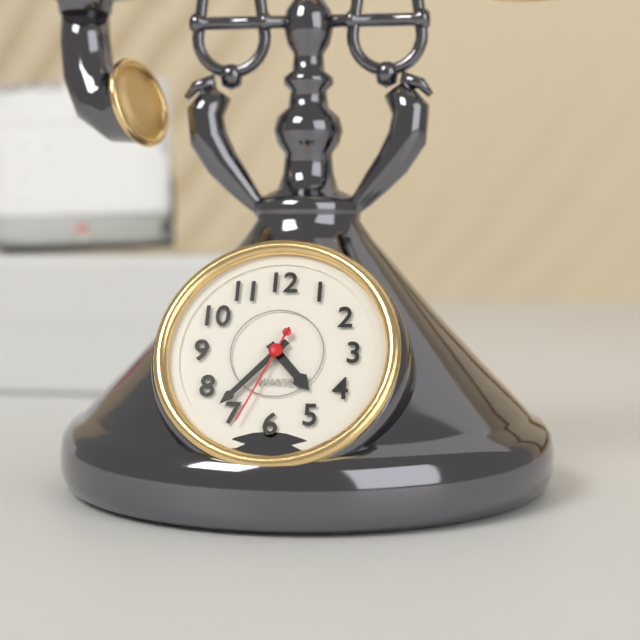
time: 4:37:34
